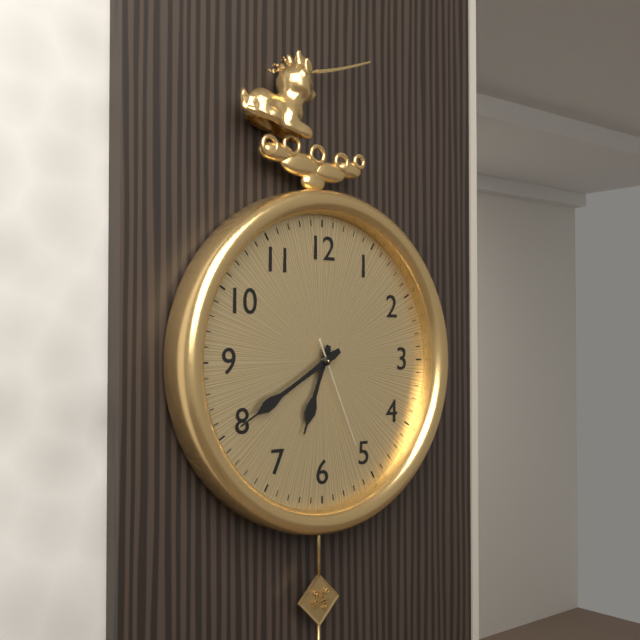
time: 6:40:26
